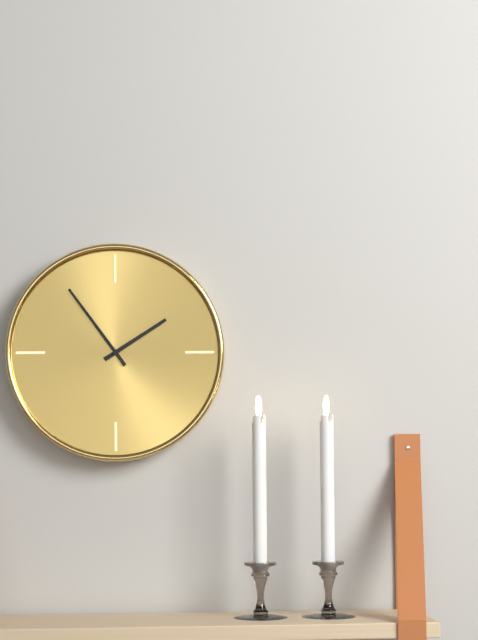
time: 1:54
